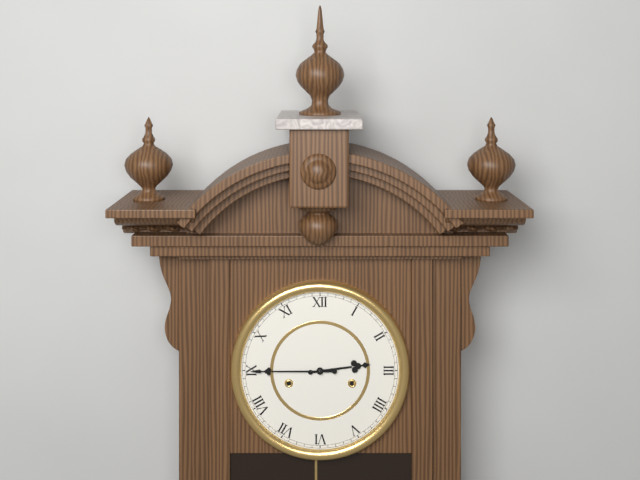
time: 2:45
